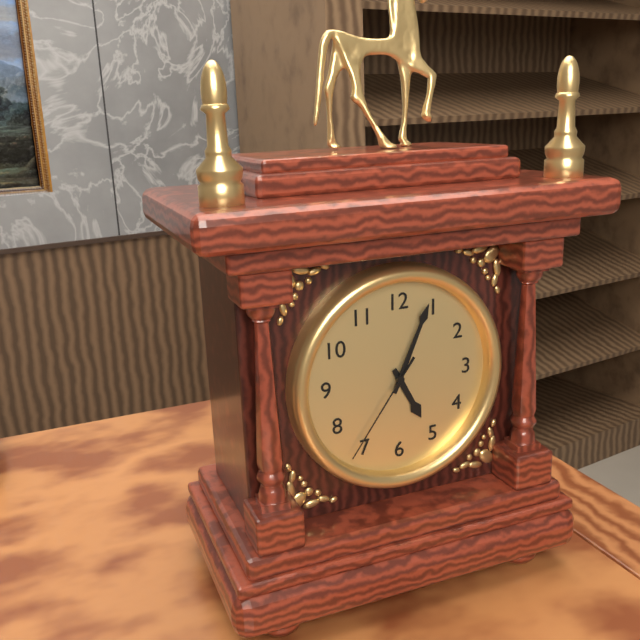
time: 5:04:36
